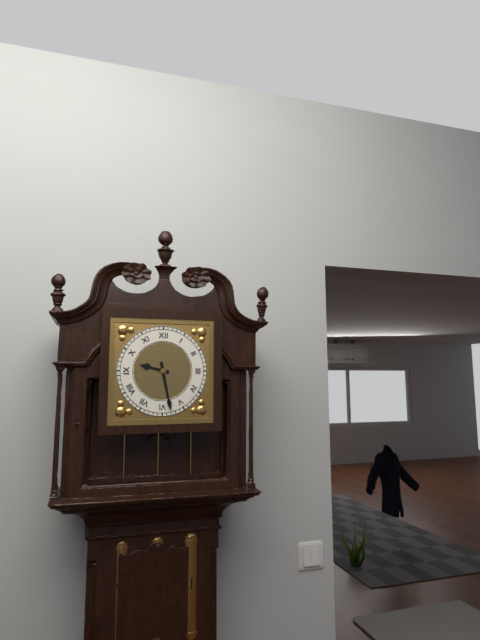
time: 9:28
